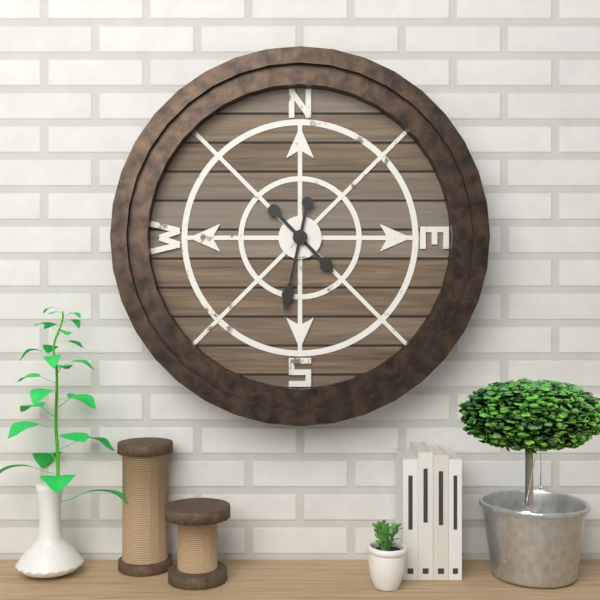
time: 4:32
